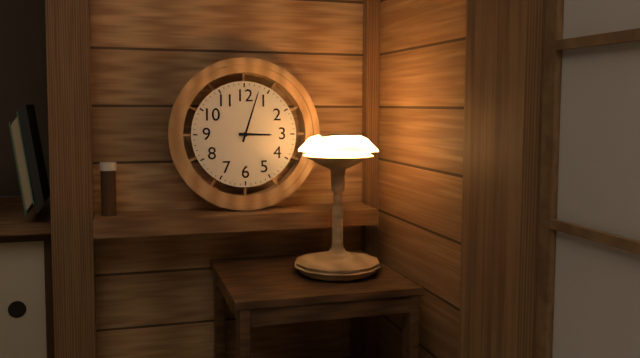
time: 3:03
